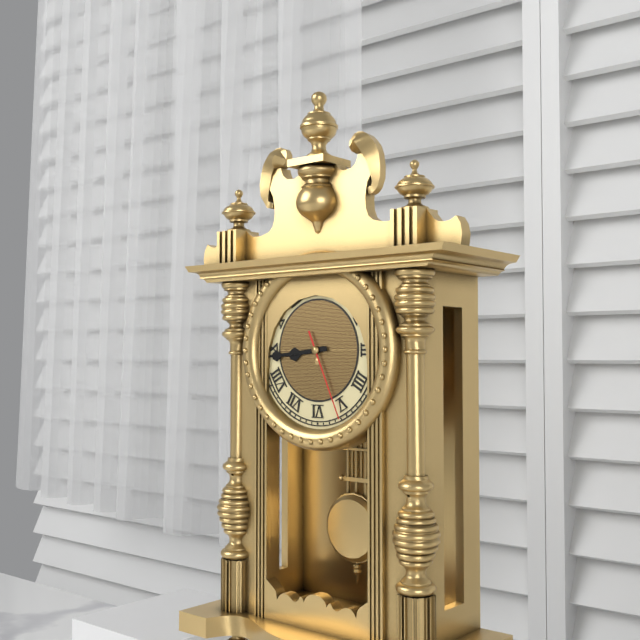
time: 8:44:26
